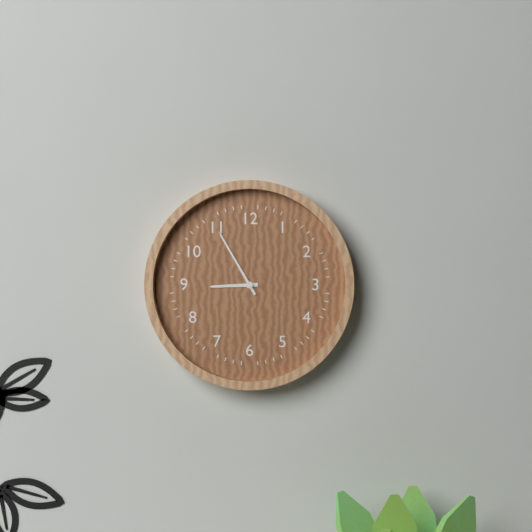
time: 8:55
